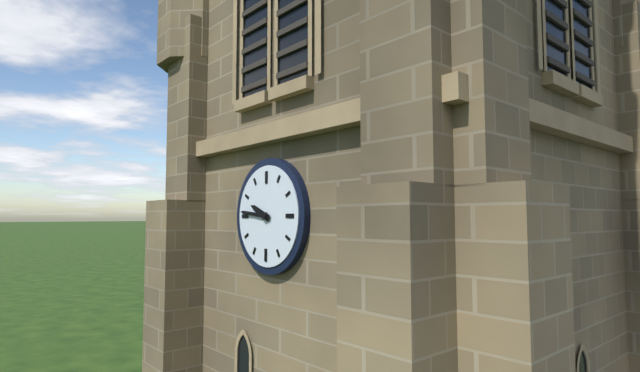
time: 9:46
